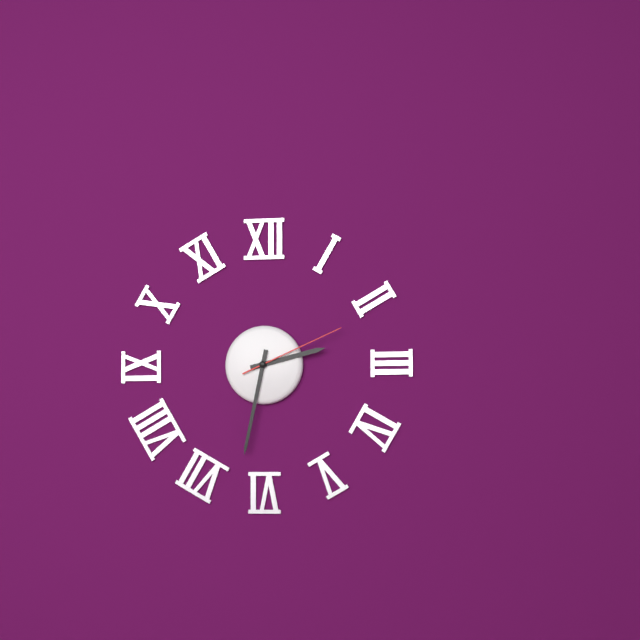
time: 2:32:11
